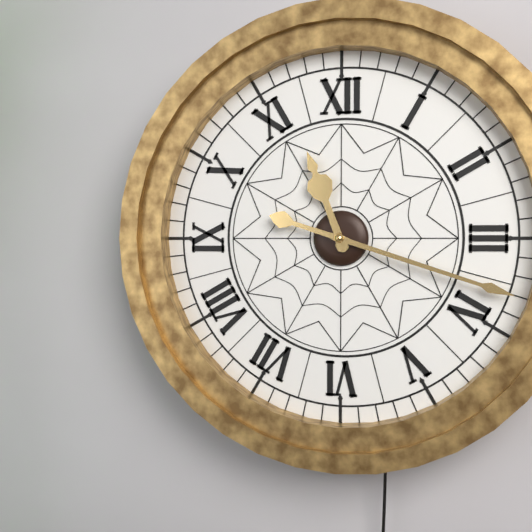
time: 11:18
